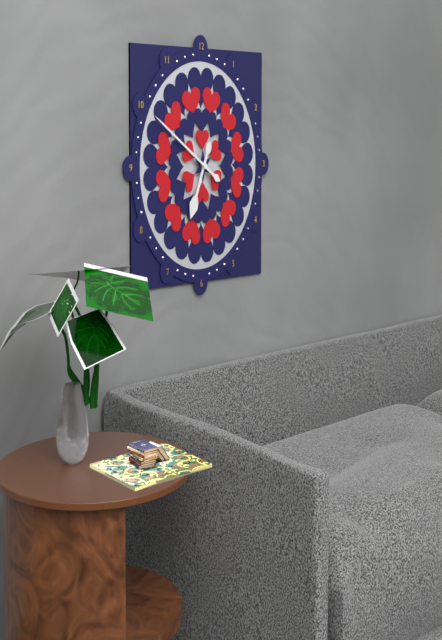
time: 6:50
